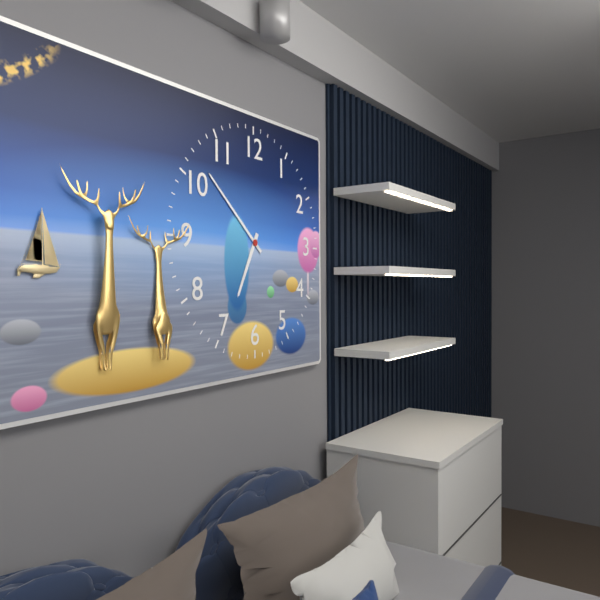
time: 6:52
